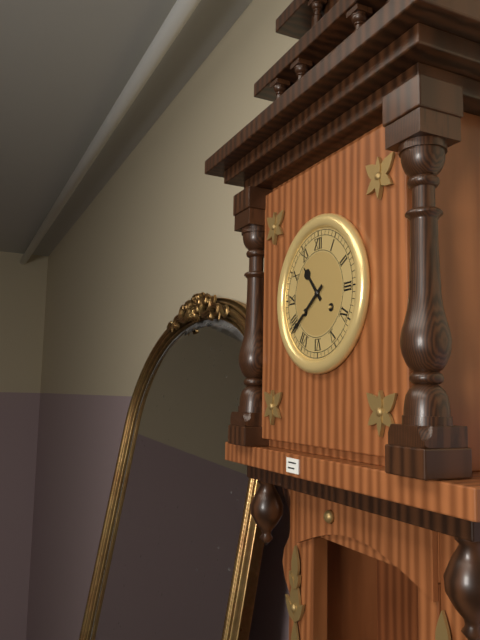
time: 10:39
